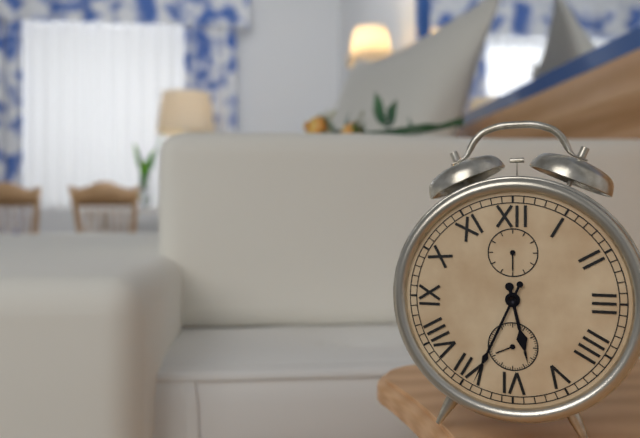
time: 5:34
